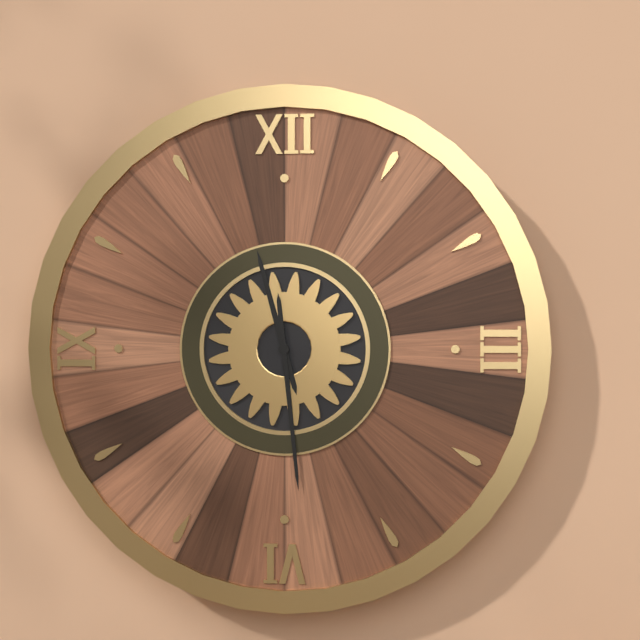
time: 11:29
